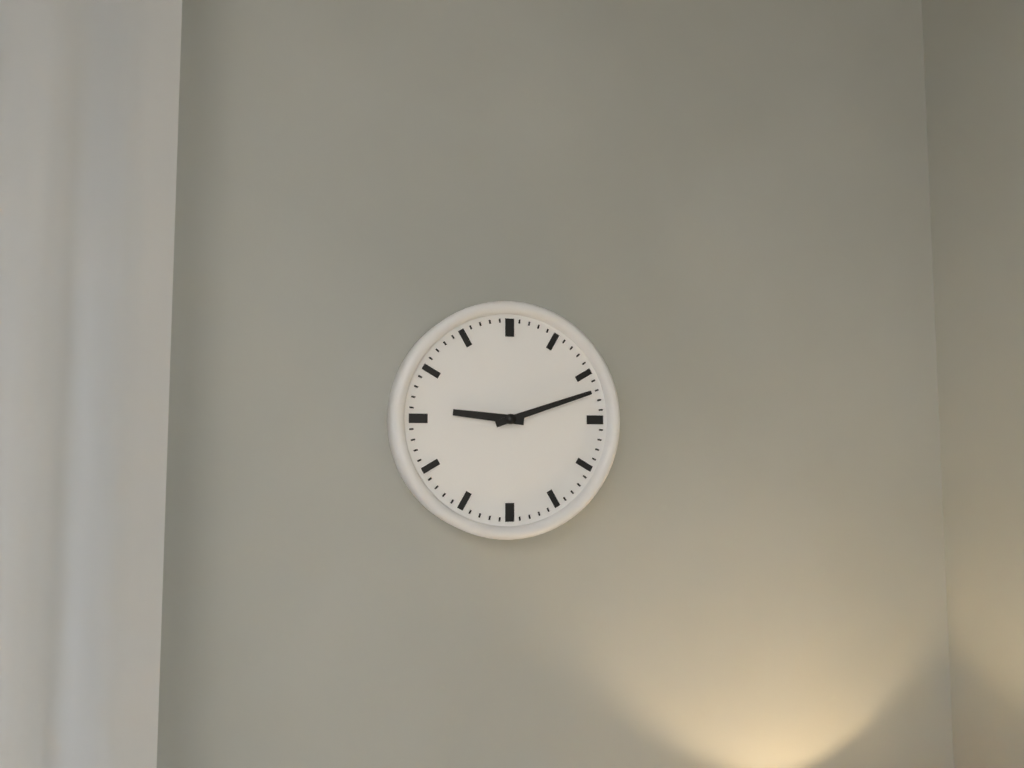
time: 9:12
